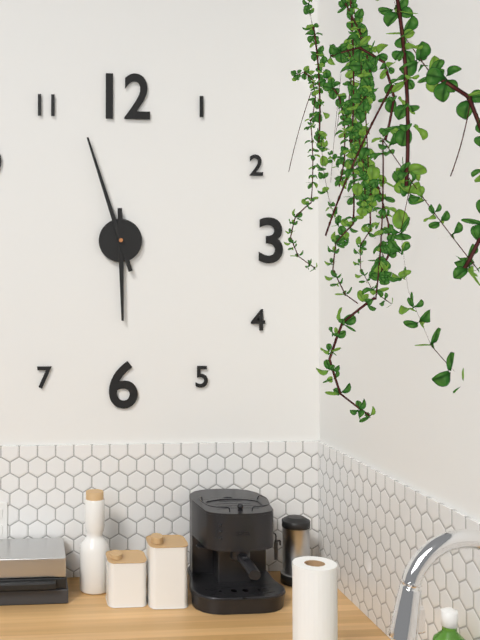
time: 5:57
